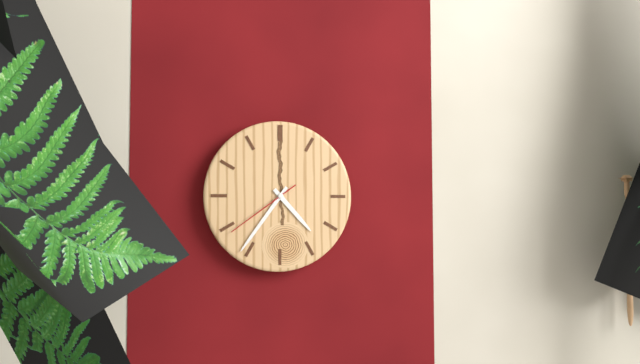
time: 4:36:39
